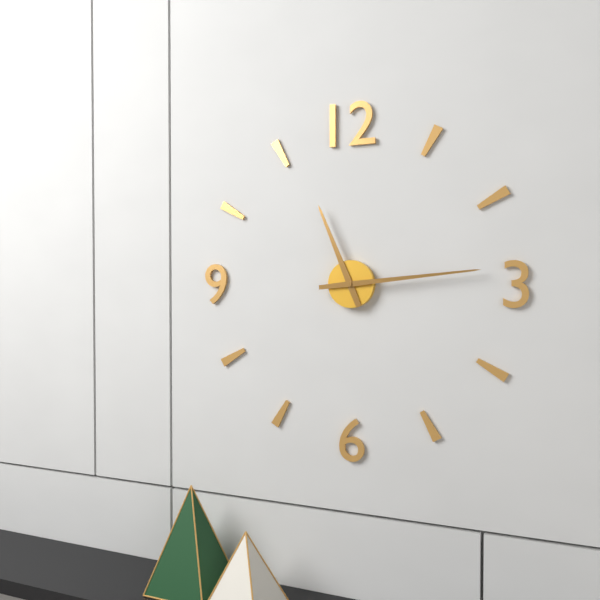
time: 11:14
